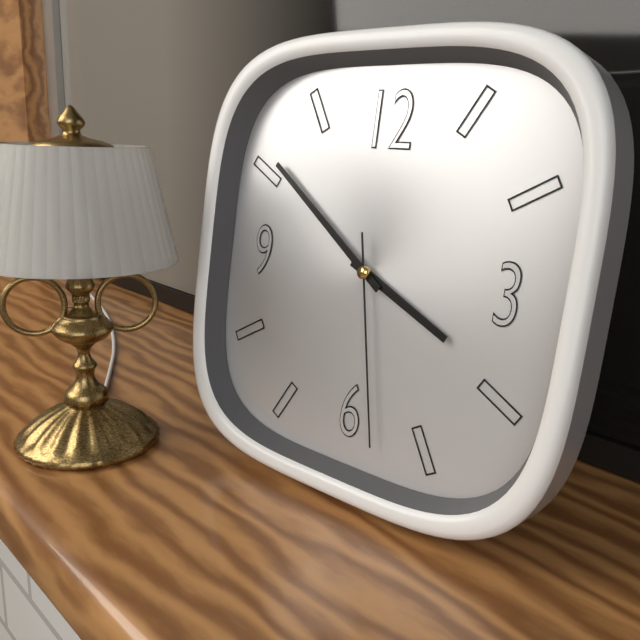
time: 3:51:28
